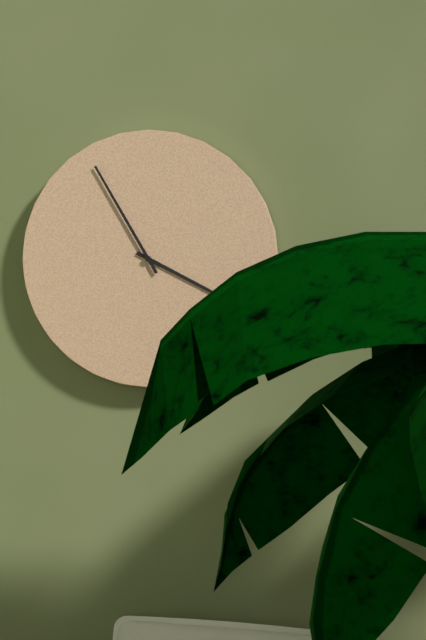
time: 3:55
